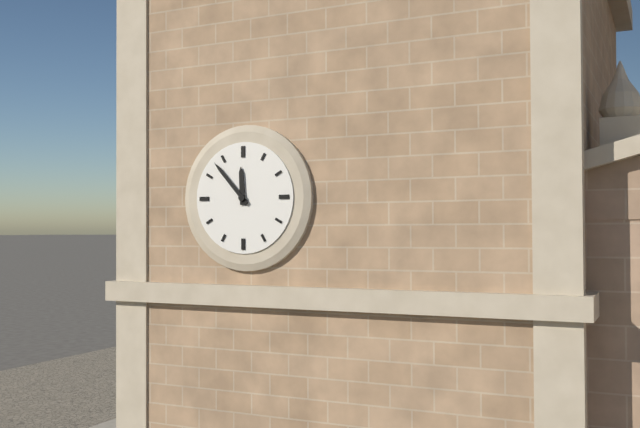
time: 11:53
